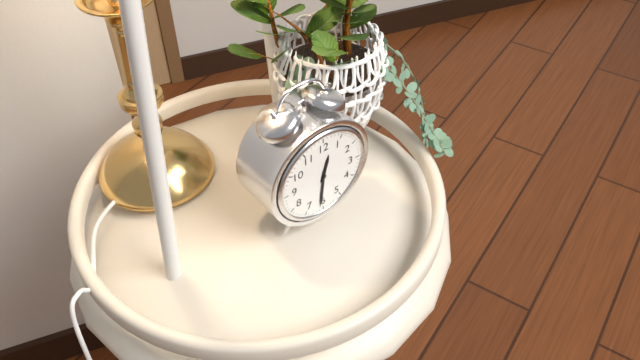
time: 12:31
